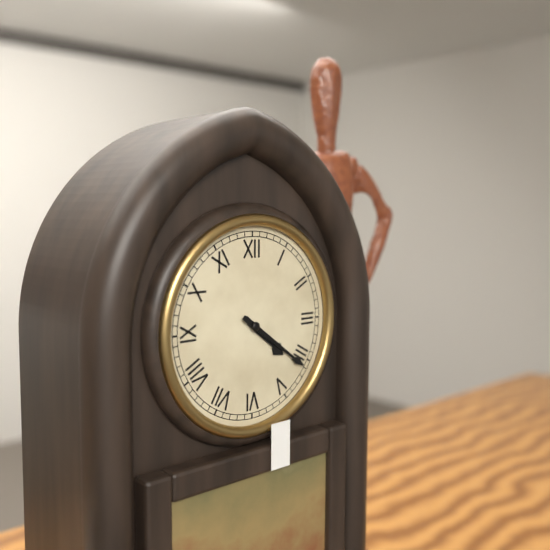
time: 4:21
